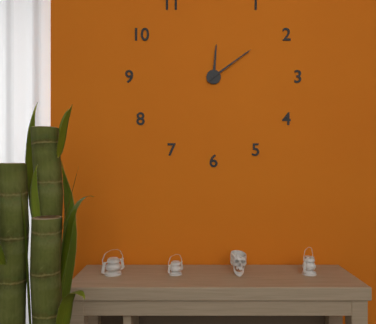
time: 12:09
